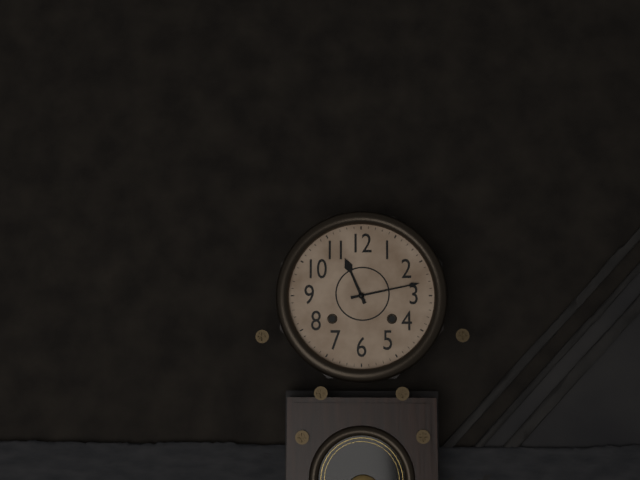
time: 11:13
